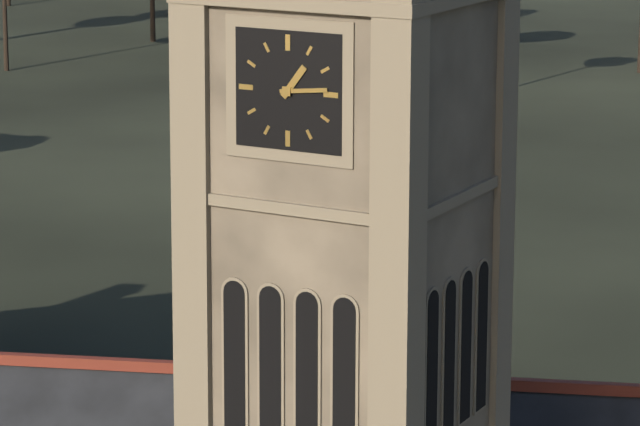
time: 1:14
